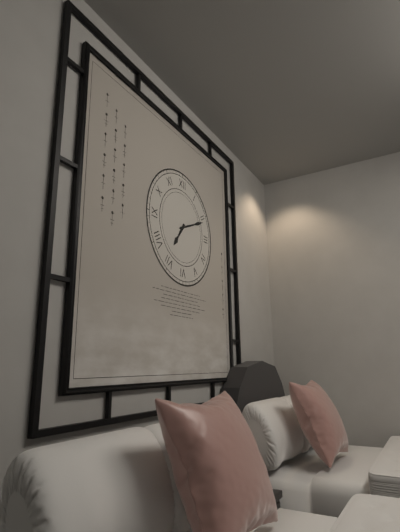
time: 7:11
